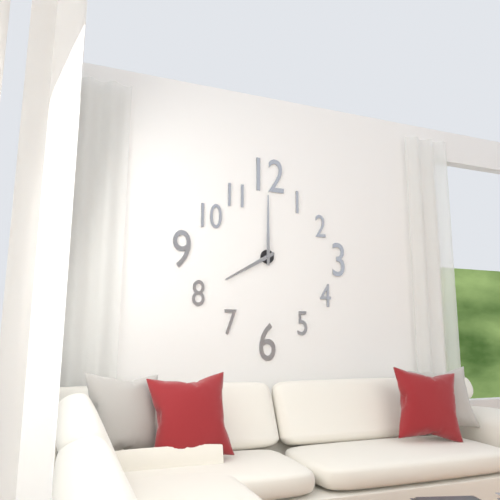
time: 8:00
